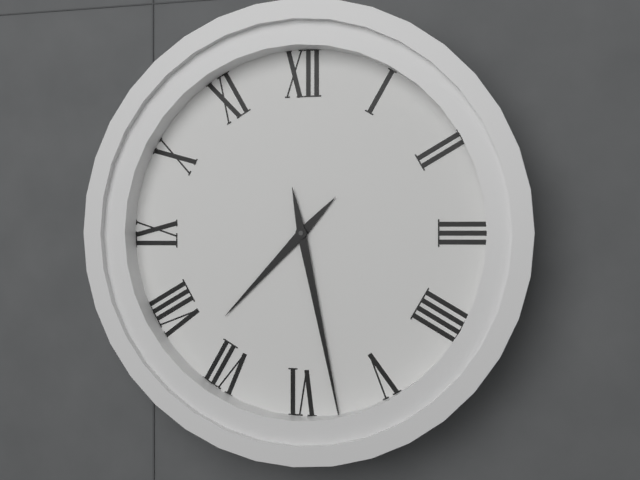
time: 7:28
